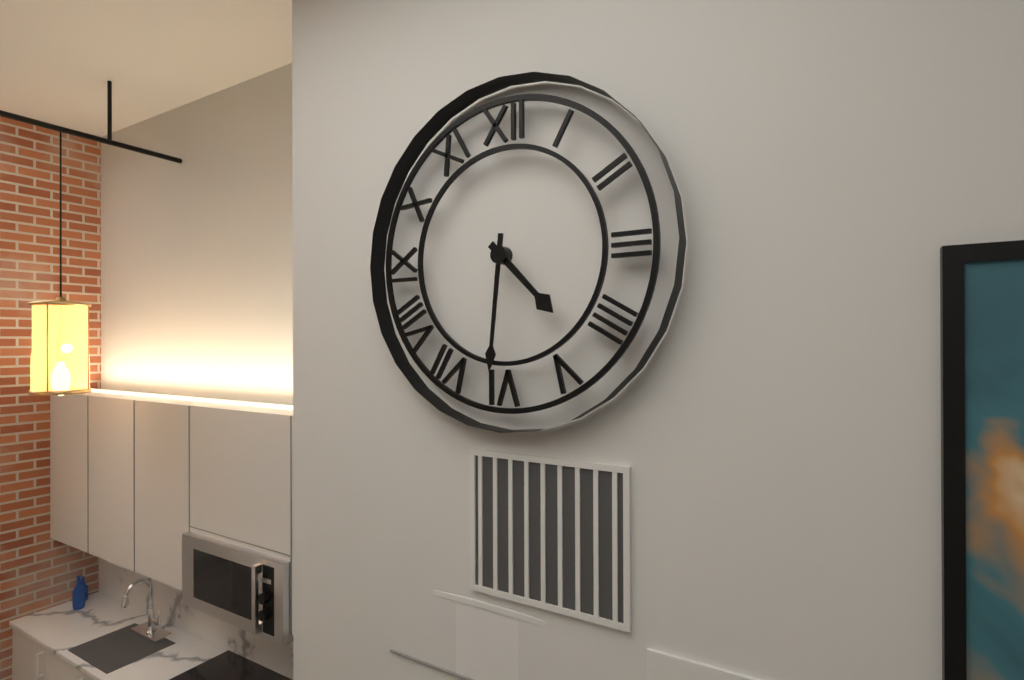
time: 4:31
